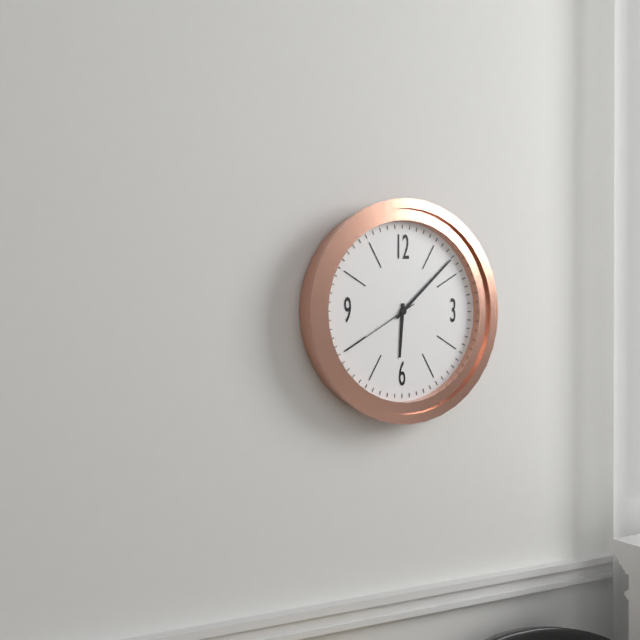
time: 6:08:40
